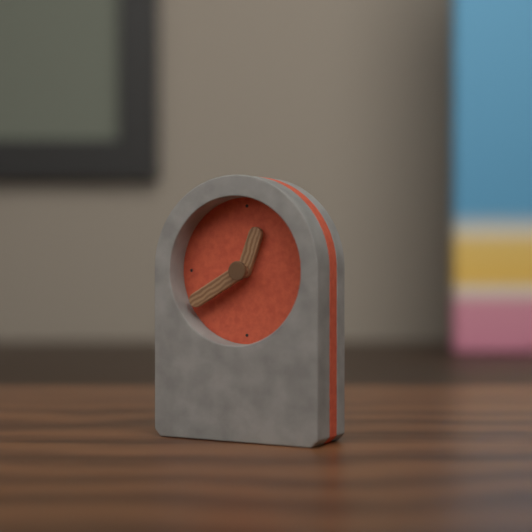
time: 12:40
